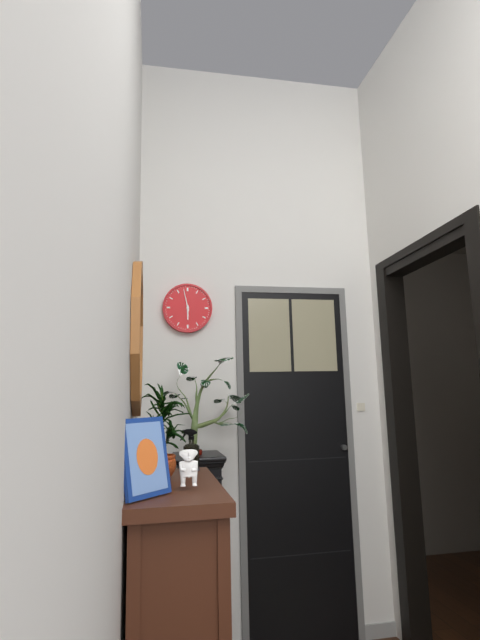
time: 5:58
